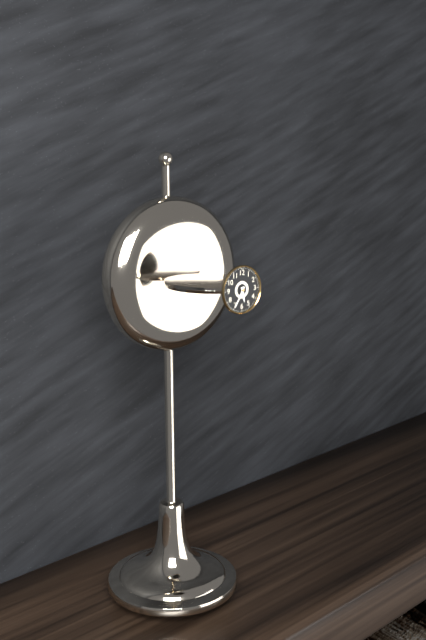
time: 5:35
